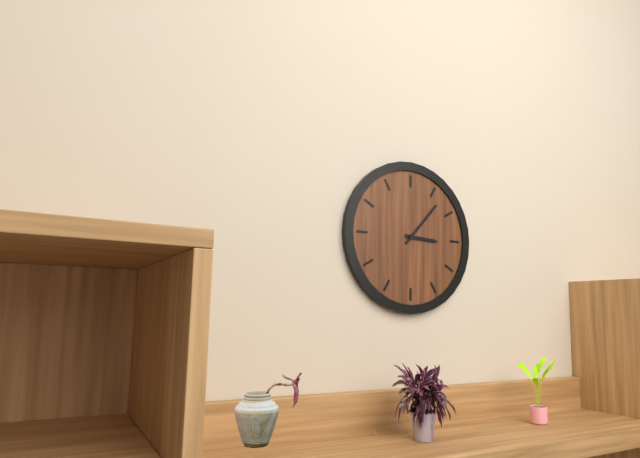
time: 3:07
